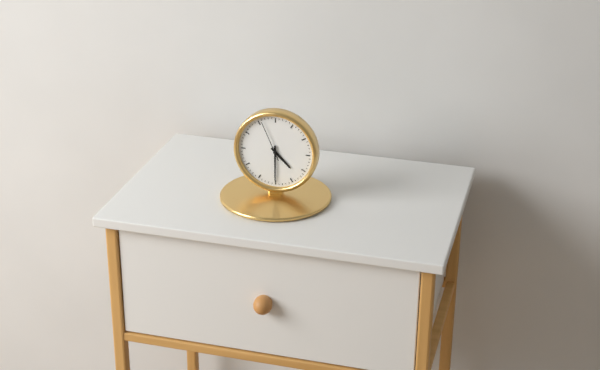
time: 4:30
